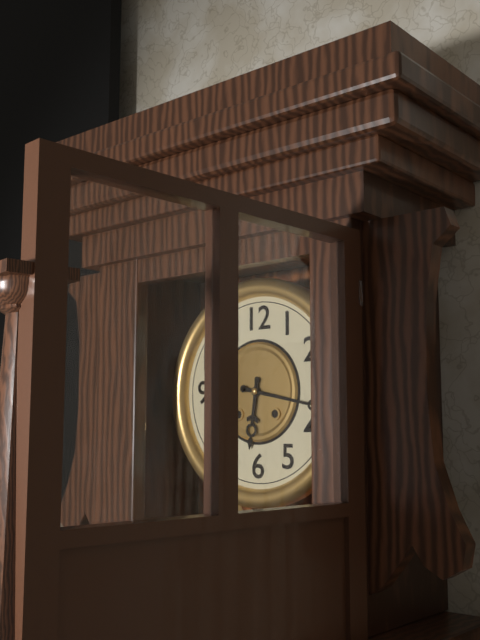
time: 6:17
